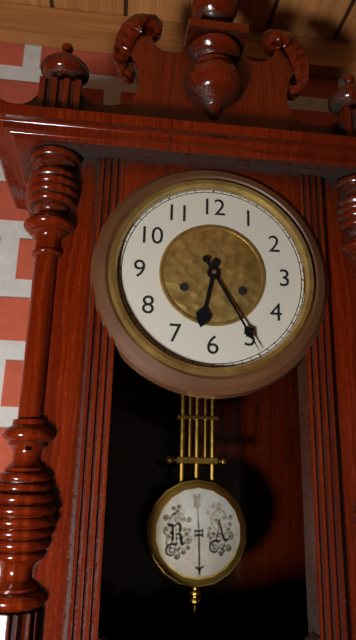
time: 6:25
